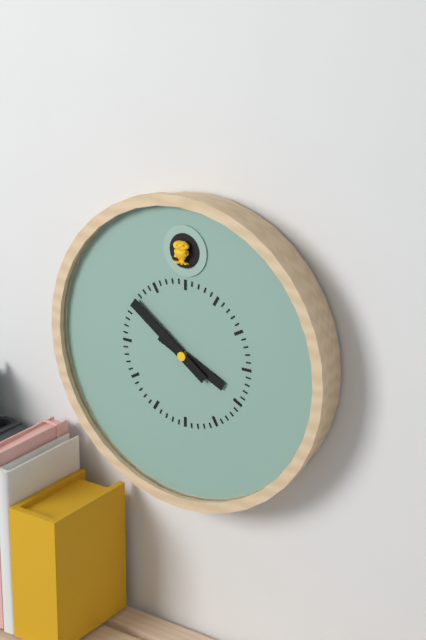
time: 3:51
